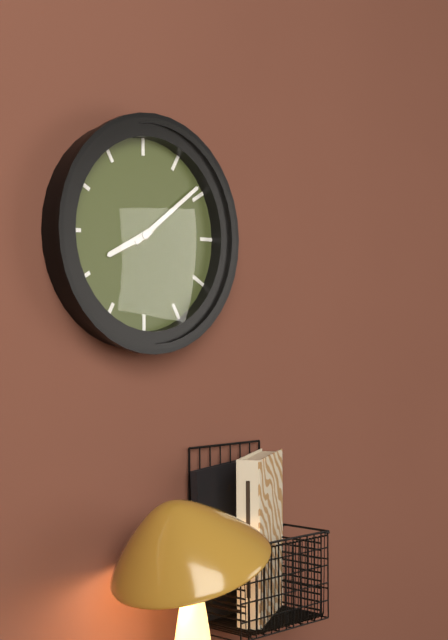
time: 8:09
